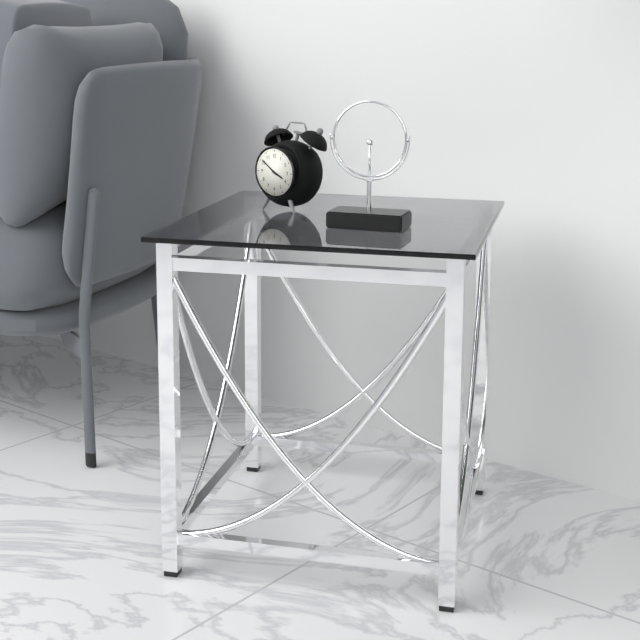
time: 3:51
